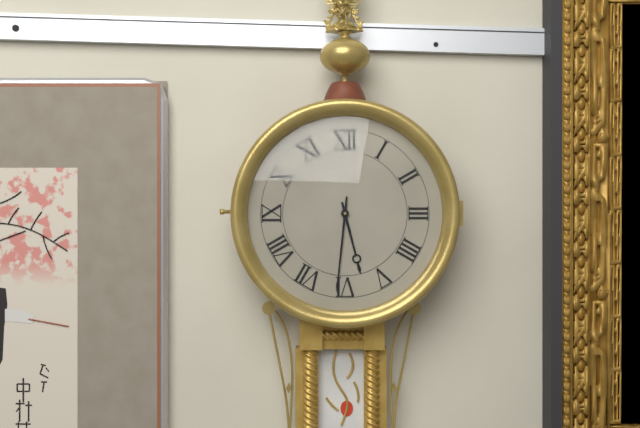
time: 5:31
